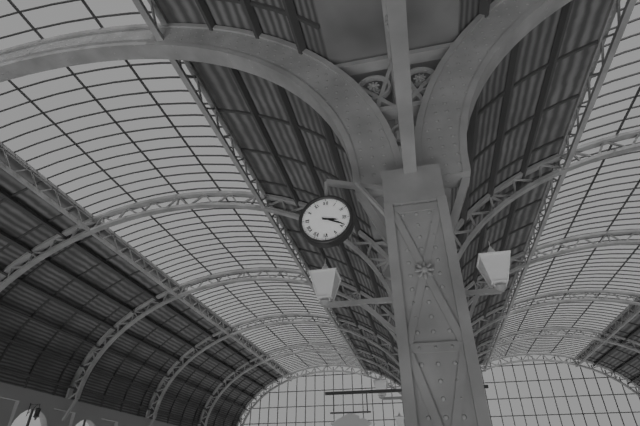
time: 3:19
